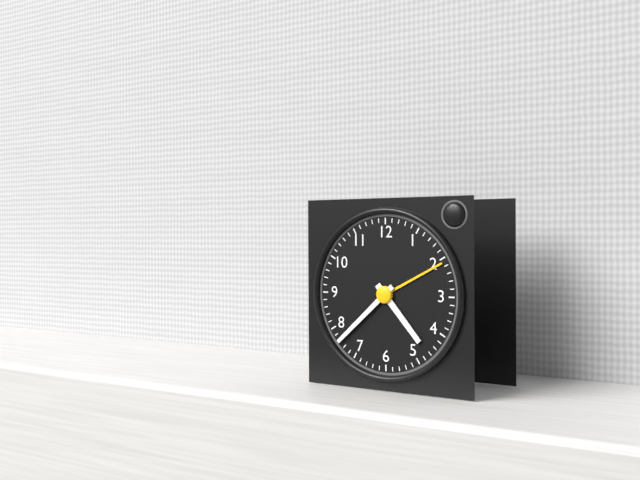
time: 4:38
